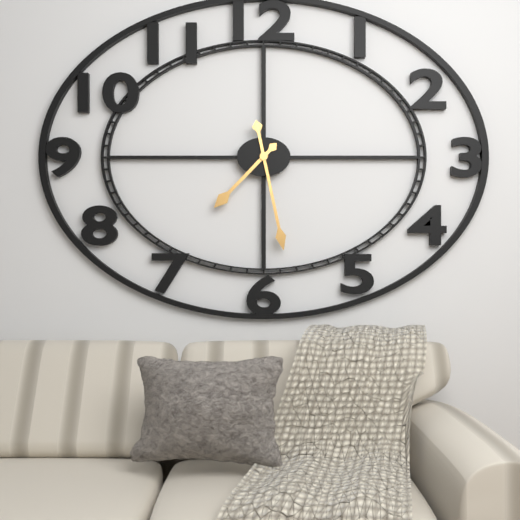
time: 7:28
